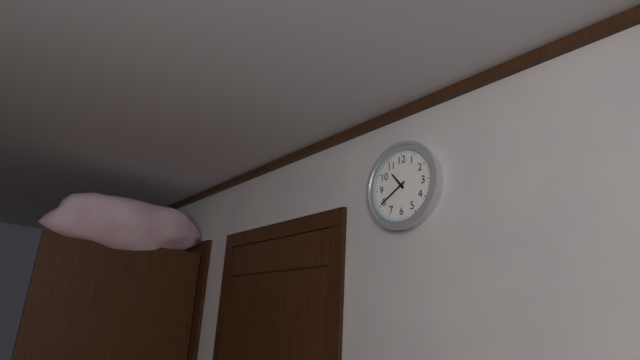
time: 10:40
